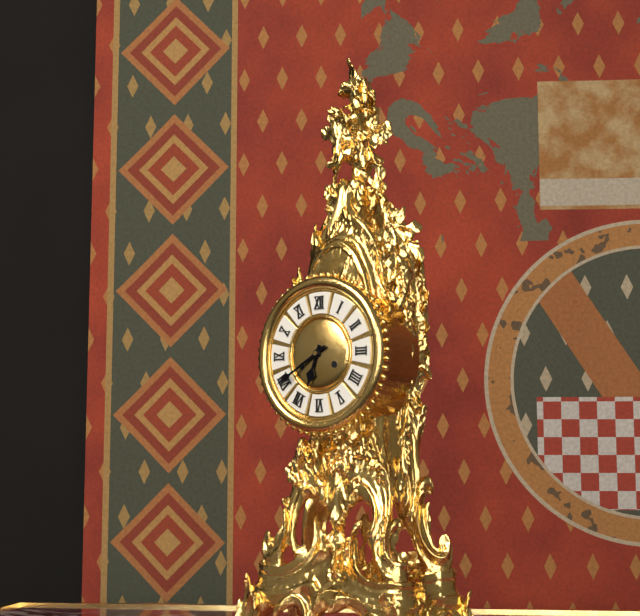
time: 6:40
